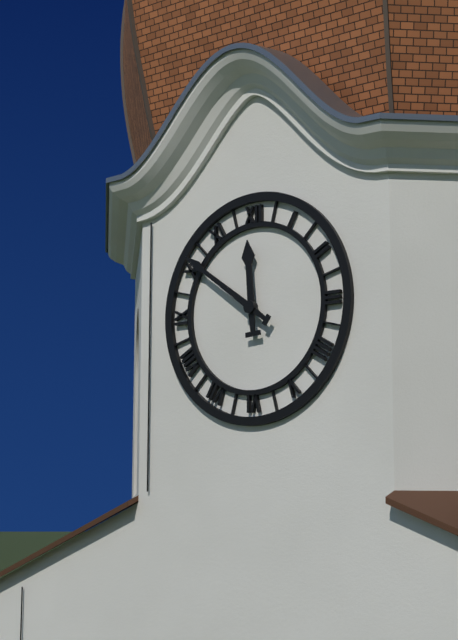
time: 11:51
